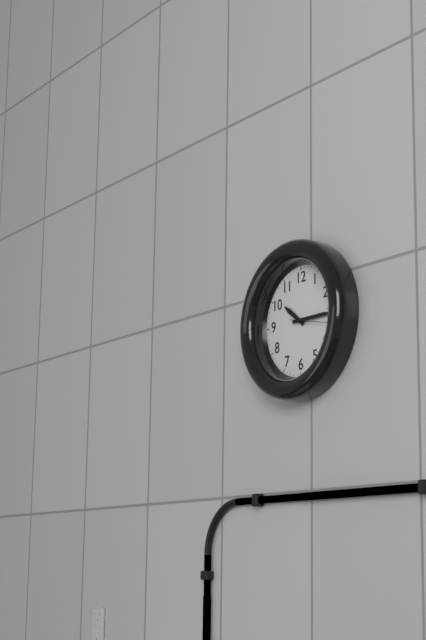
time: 10:15
